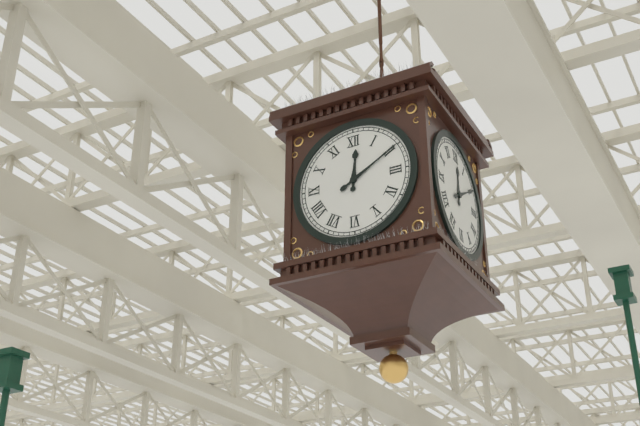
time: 12:10
